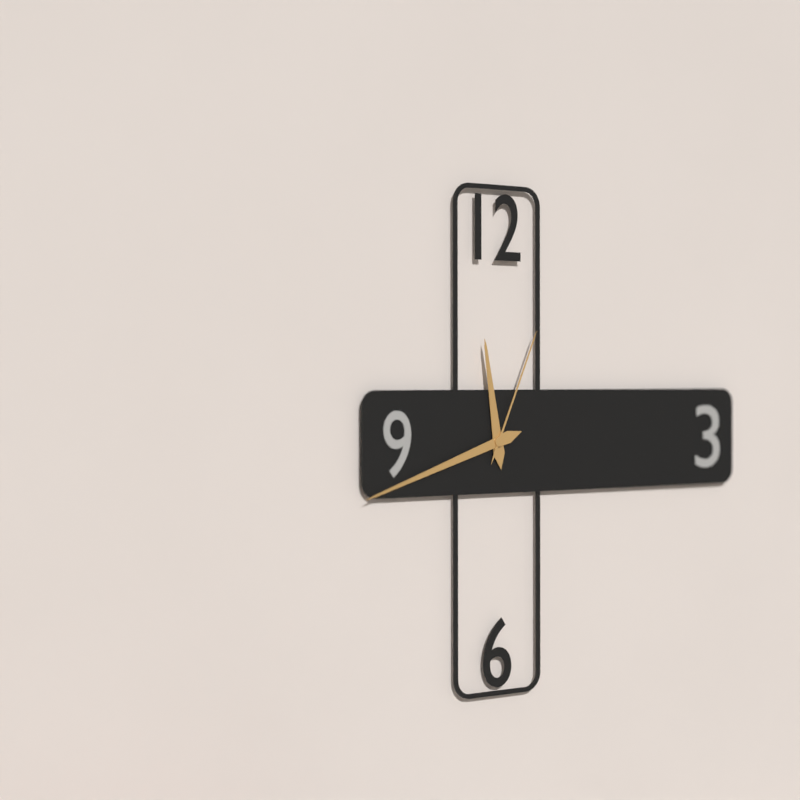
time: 11:42:04
